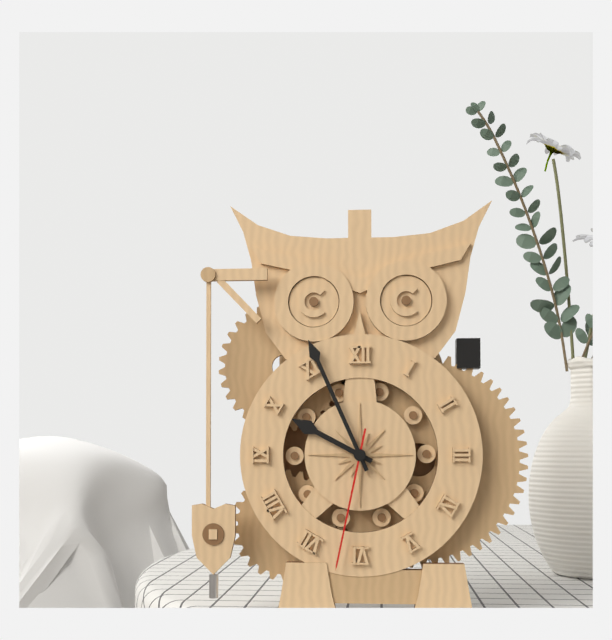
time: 9:56:32
